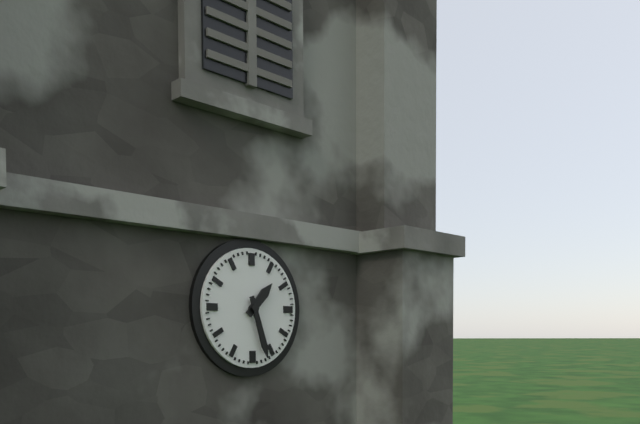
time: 1:27
